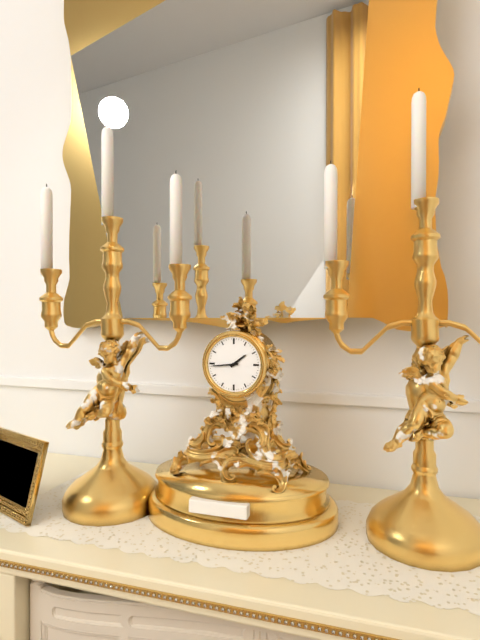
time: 1:44
